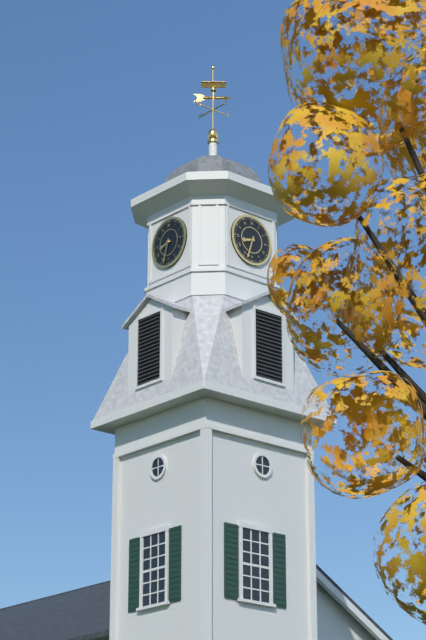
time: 8:33
